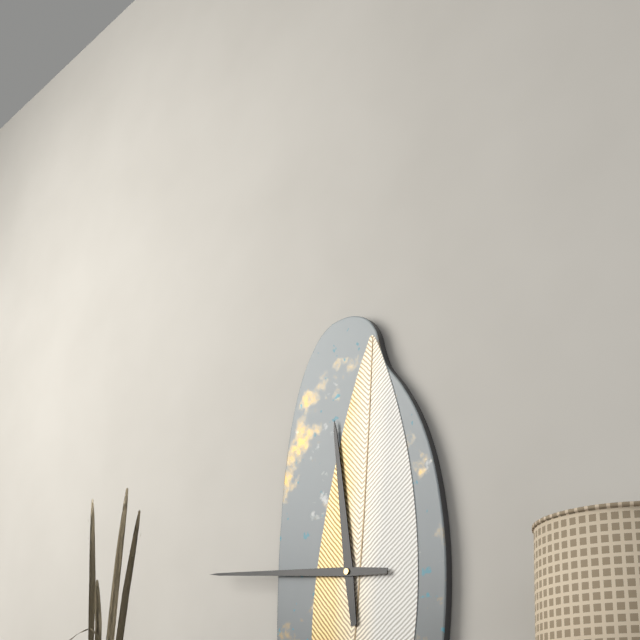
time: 11:46
